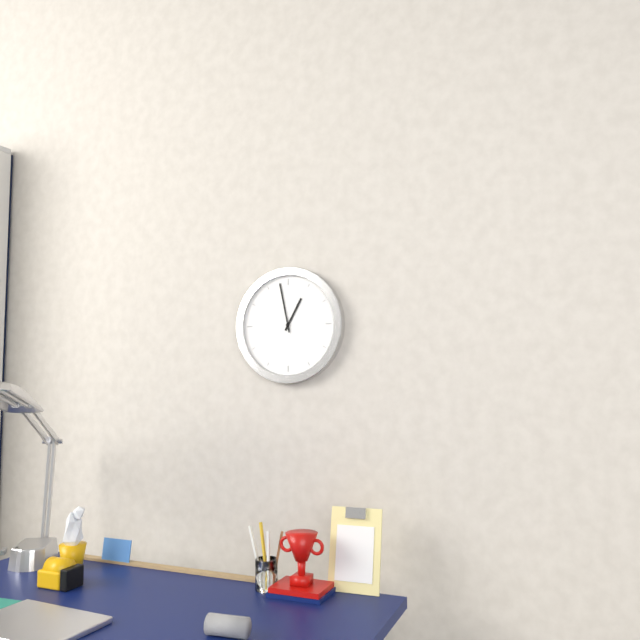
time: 12:58
